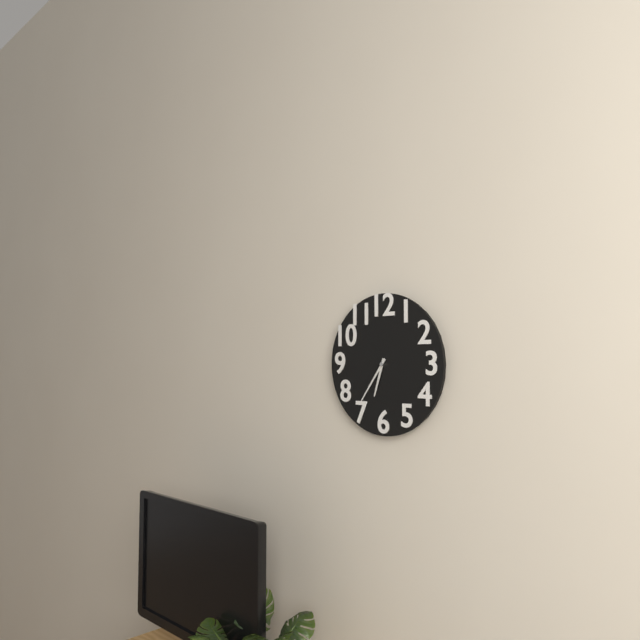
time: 6:36
